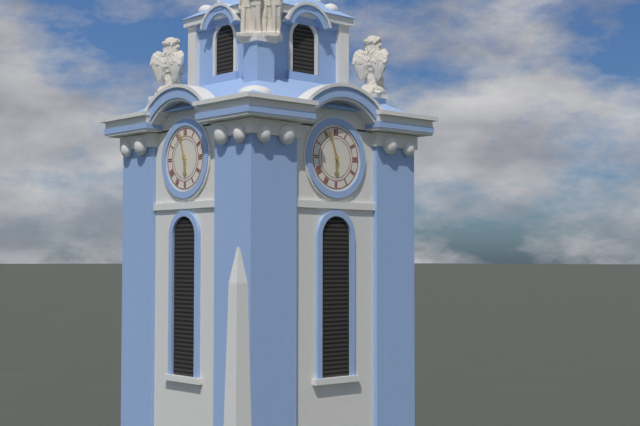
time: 5:57
